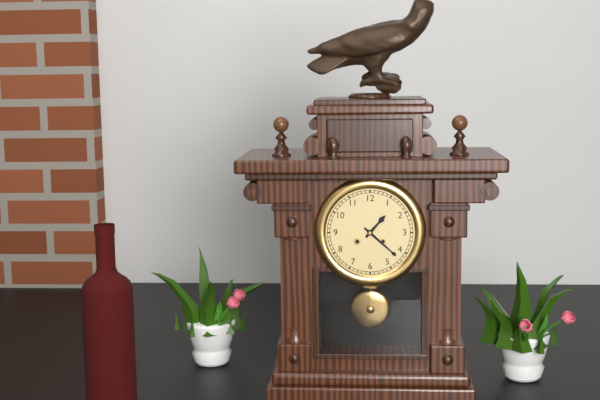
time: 1:22
